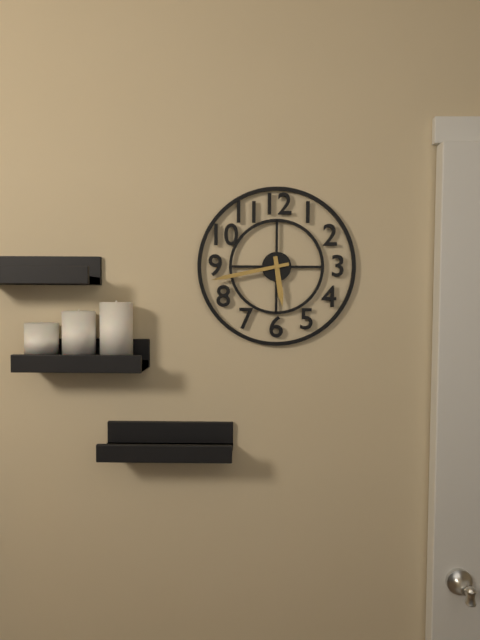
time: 5:43
